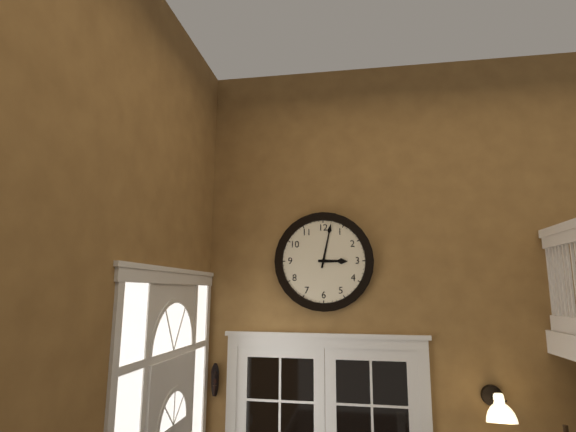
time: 3:02
